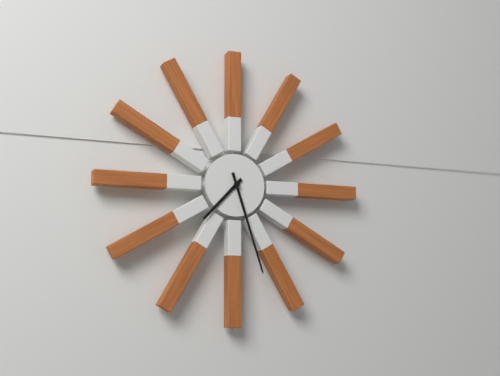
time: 7:27
